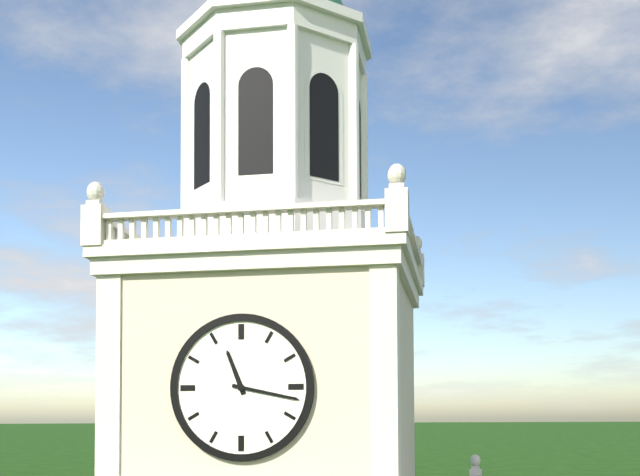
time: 11:17
